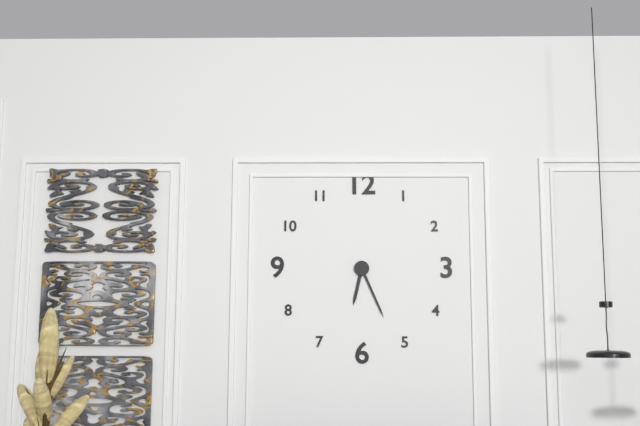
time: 6:26
